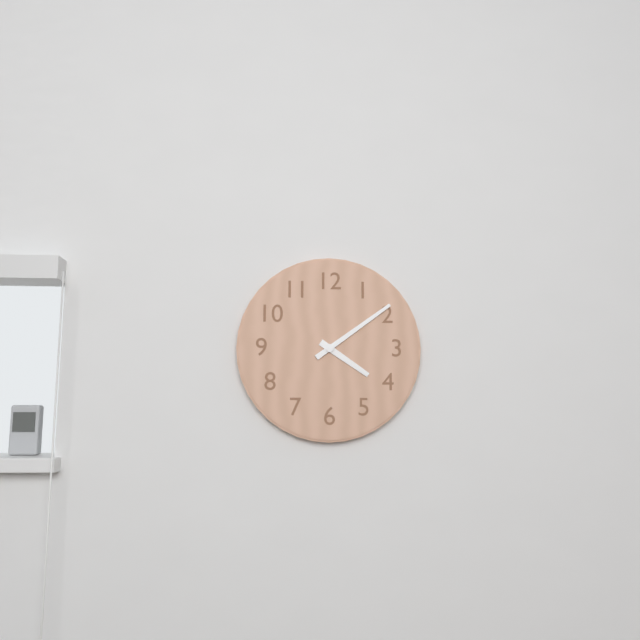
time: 4:09
